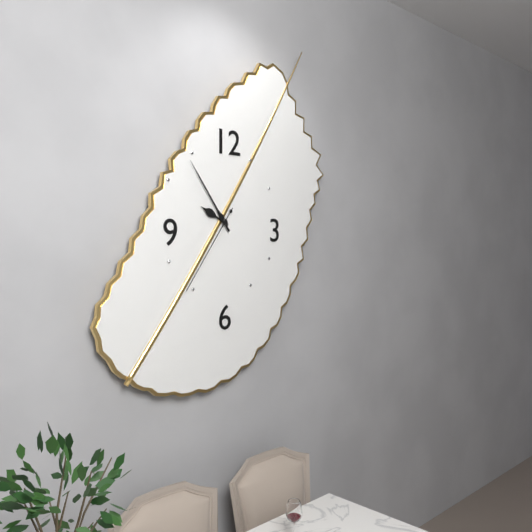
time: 9:54:36
